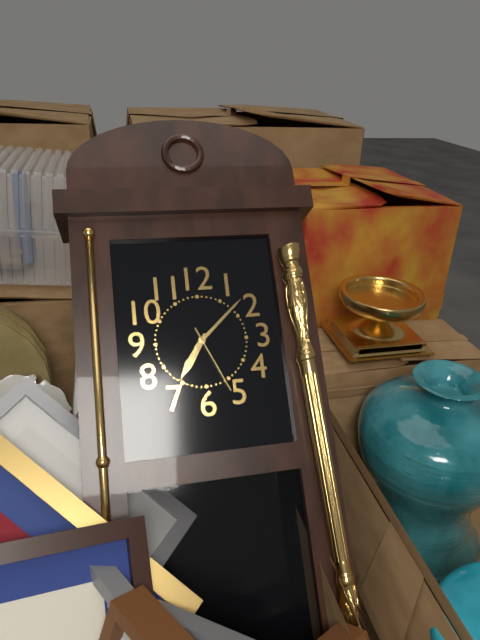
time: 7:08:26
